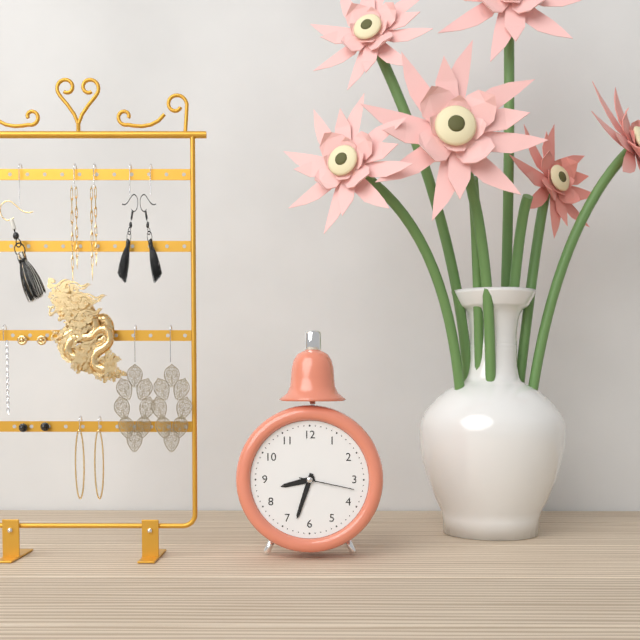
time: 8:33:17
